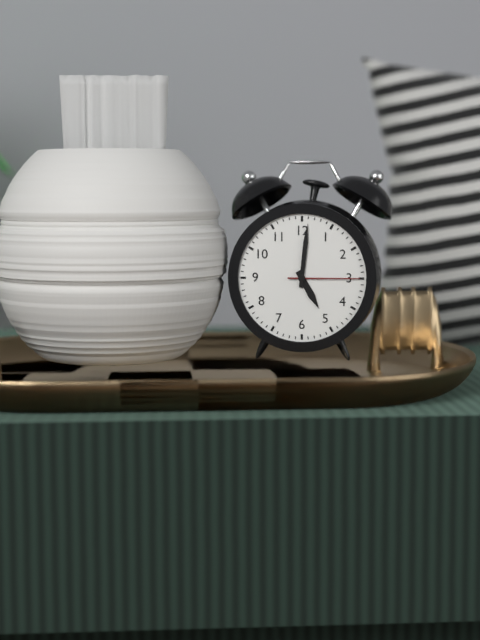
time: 5:01:15
